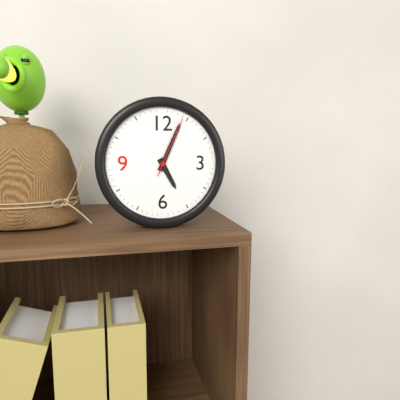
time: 5:04:04
